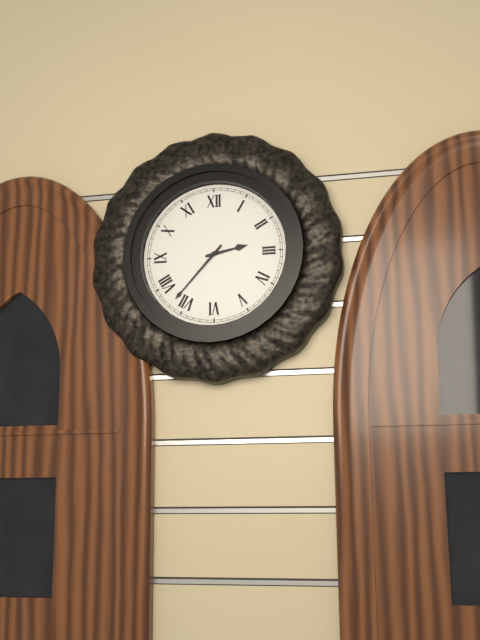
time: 2:37
